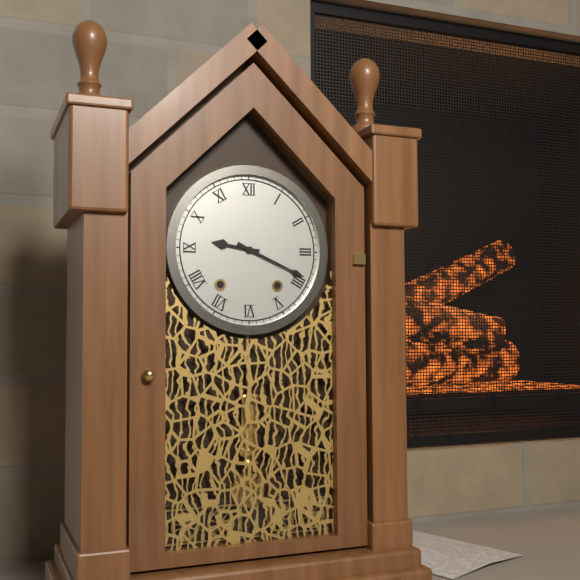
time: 9:19
